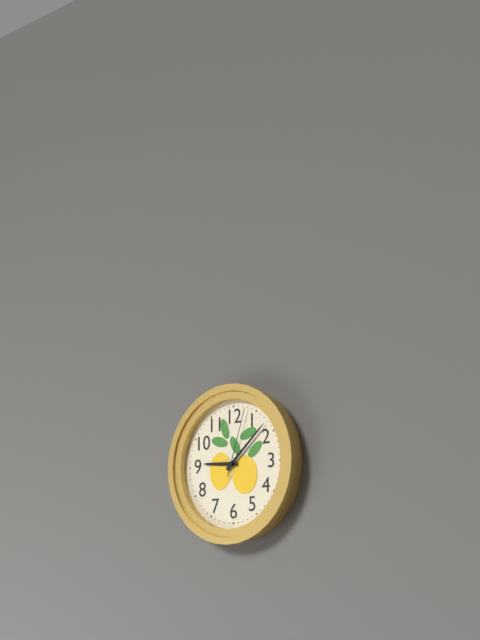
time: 9:08:03
